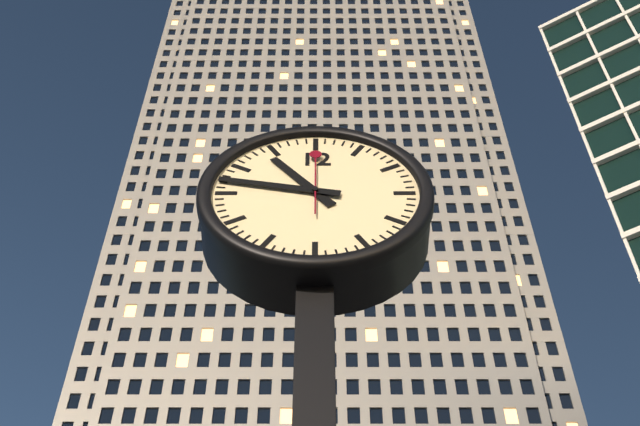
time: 10:47:00
